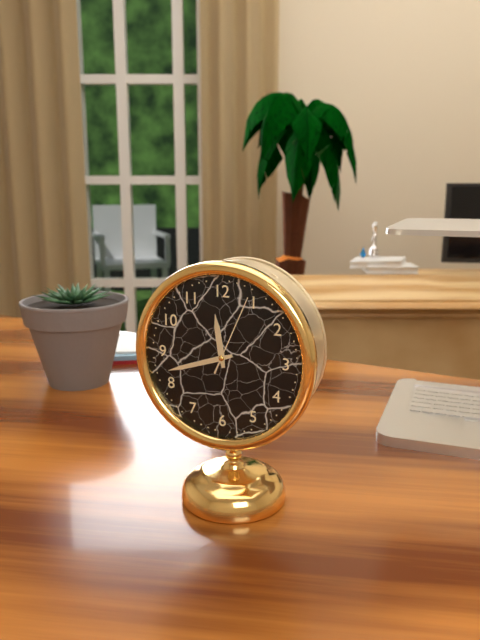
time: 11:42:04
